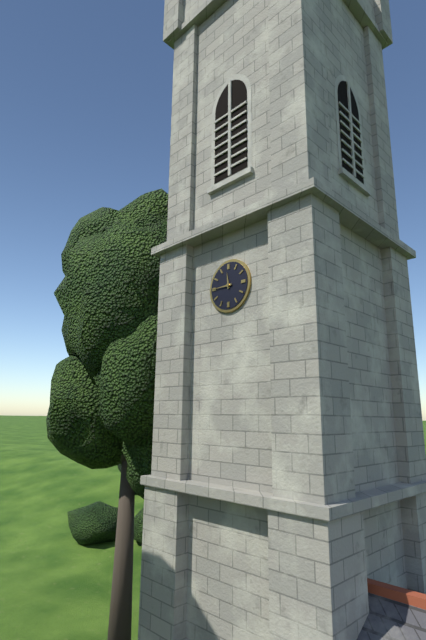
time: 11:45
